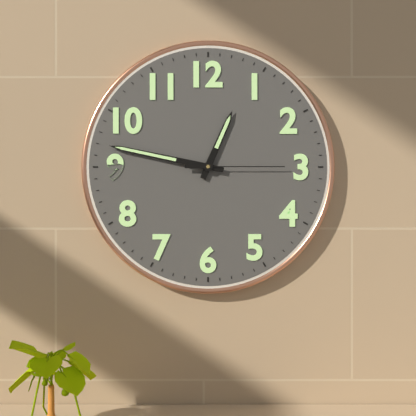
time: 12:47:15
